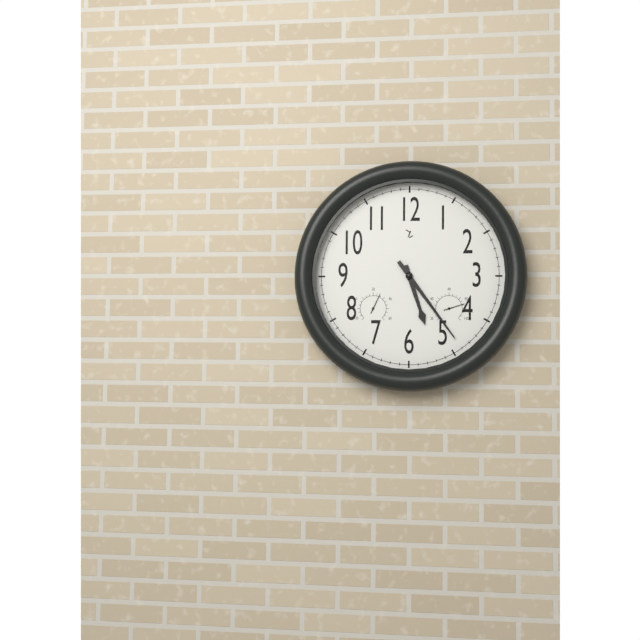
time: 5:24
